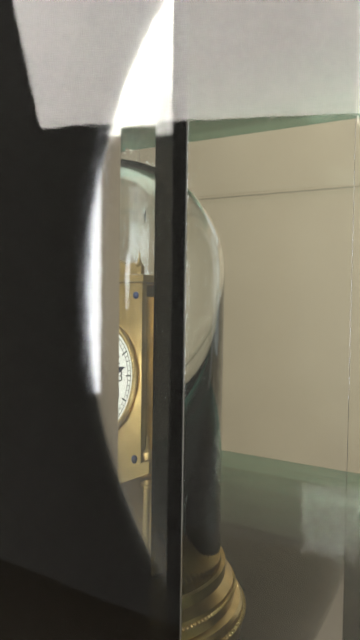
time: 9:13
